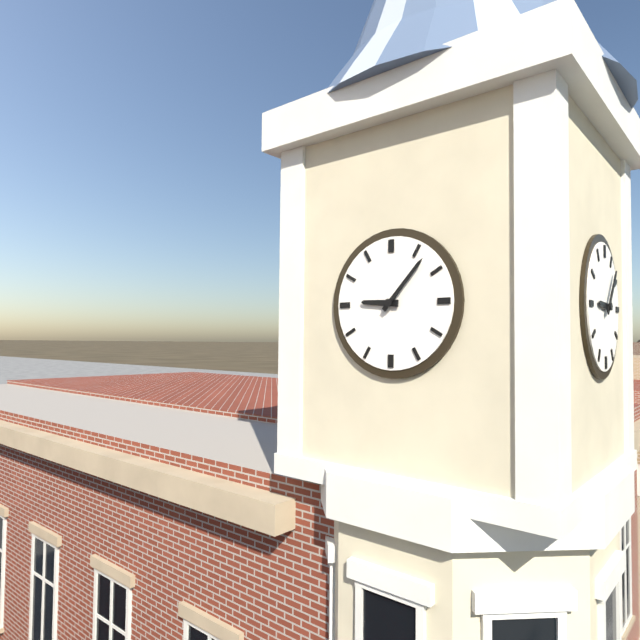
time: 9:07
